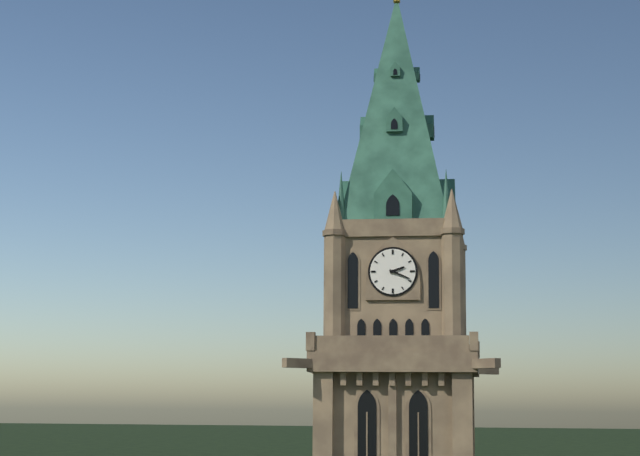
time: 2:19
